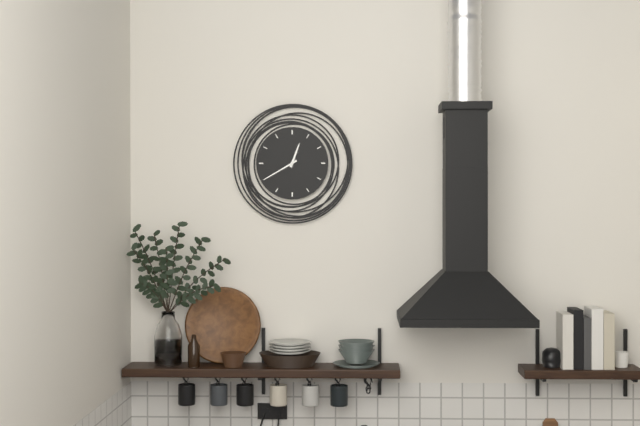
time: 12:40
